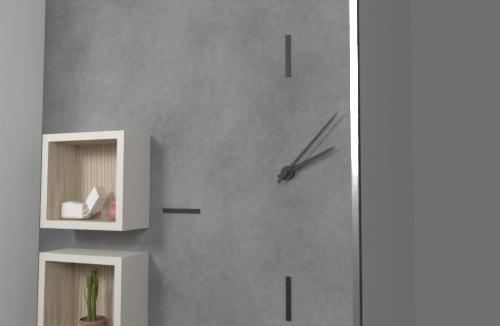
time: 2:07
